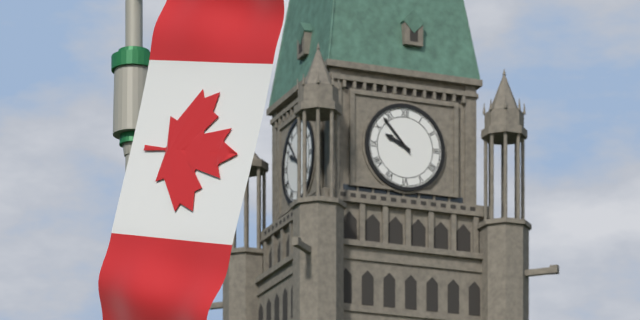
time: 9:53
